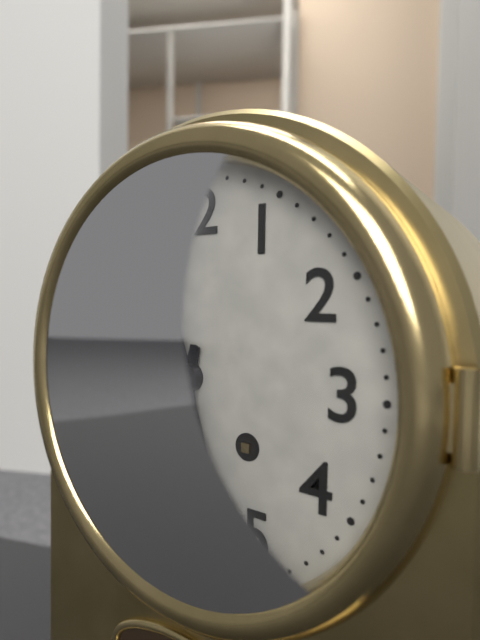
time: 6:27
